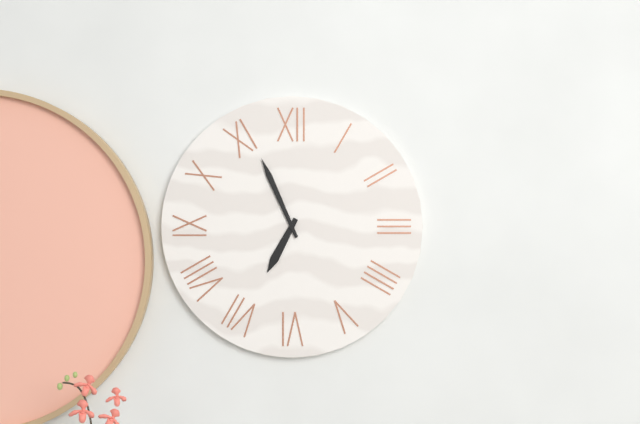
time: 6:56
